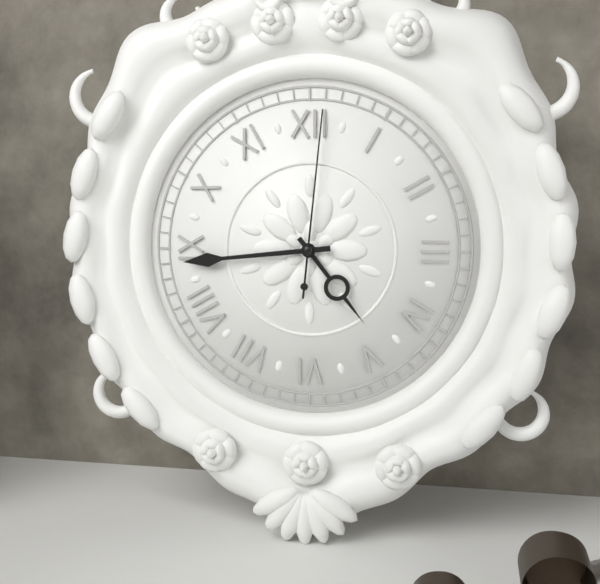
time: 4:44:01
